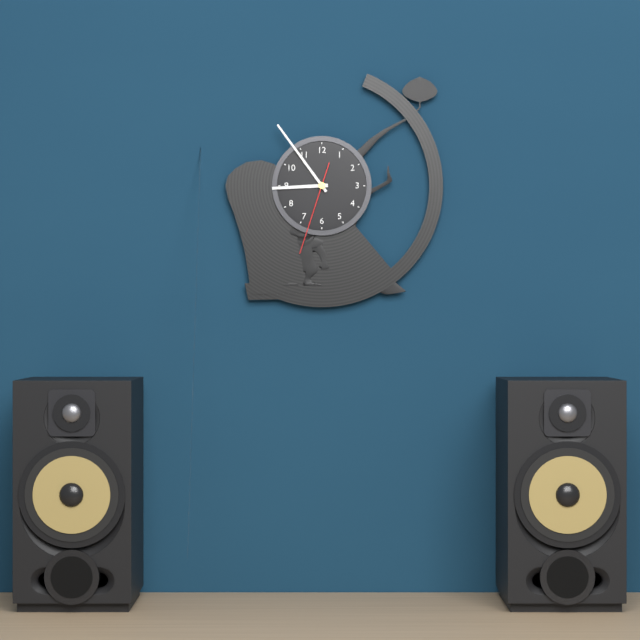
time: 8:54:33
